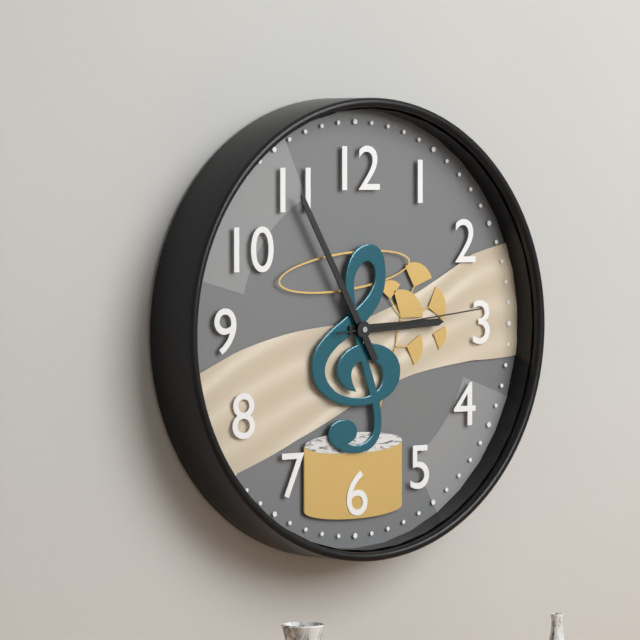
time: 2:55:14
